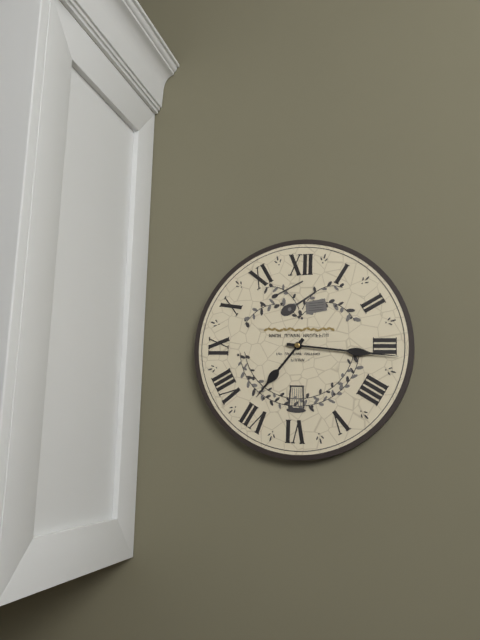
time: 7:16
